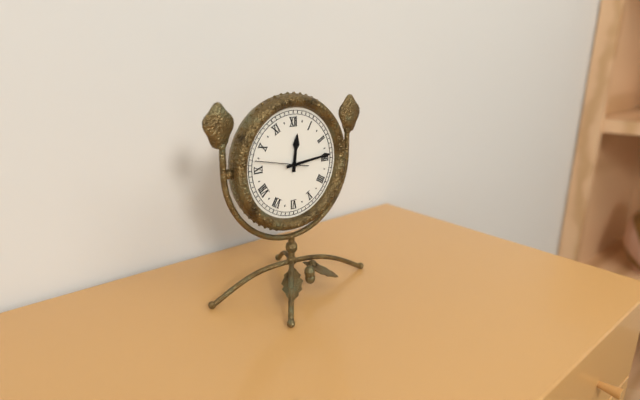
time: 12:14
